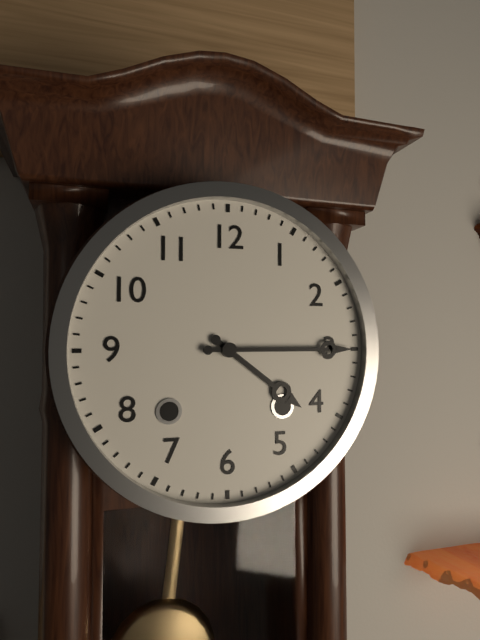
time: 4:15
